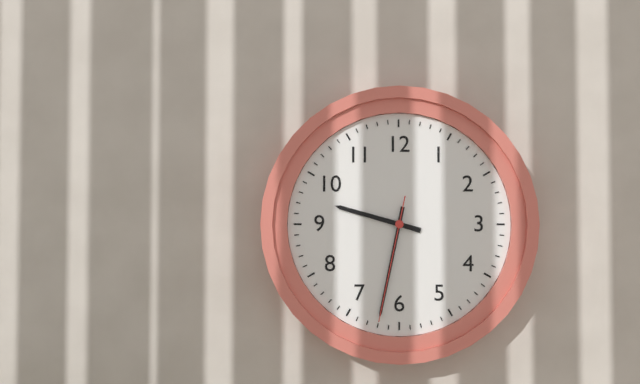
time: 9:32:32
